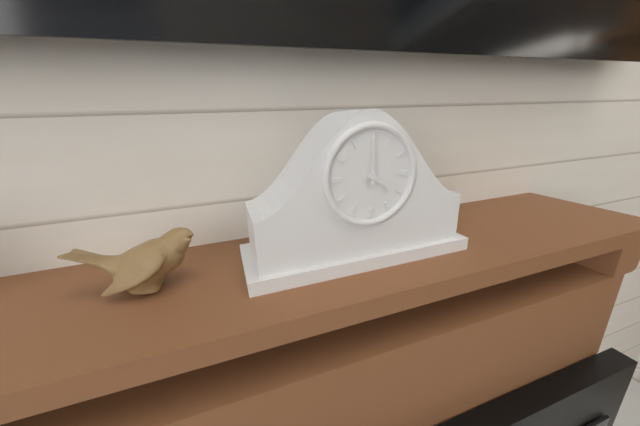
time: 4:00
